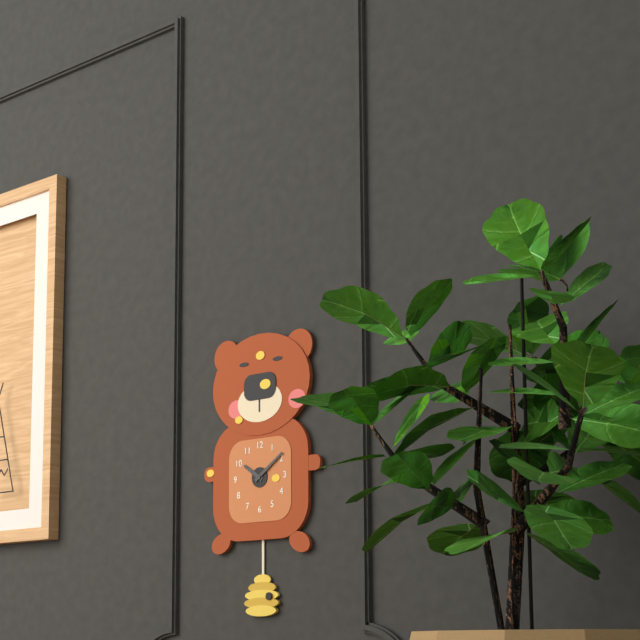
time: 10:09
